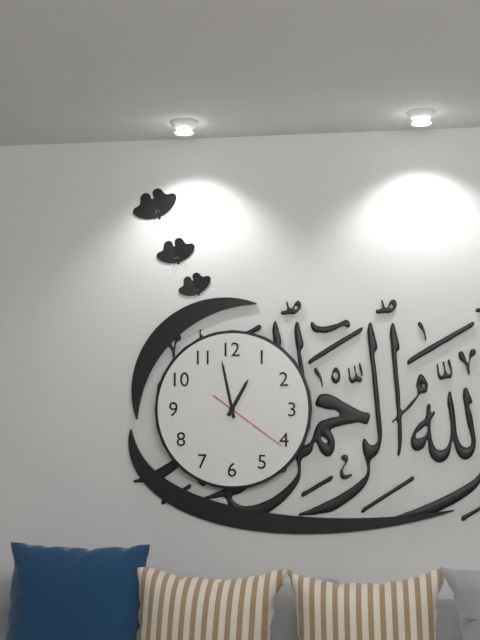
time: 12:58:21
